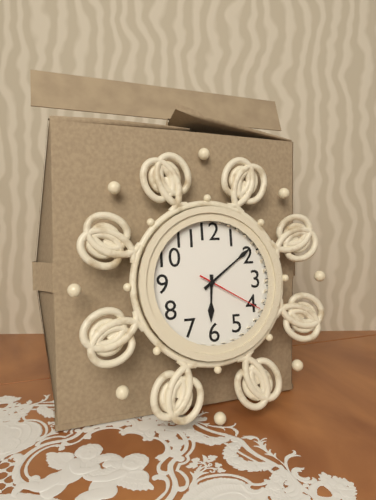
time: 6:09:20
